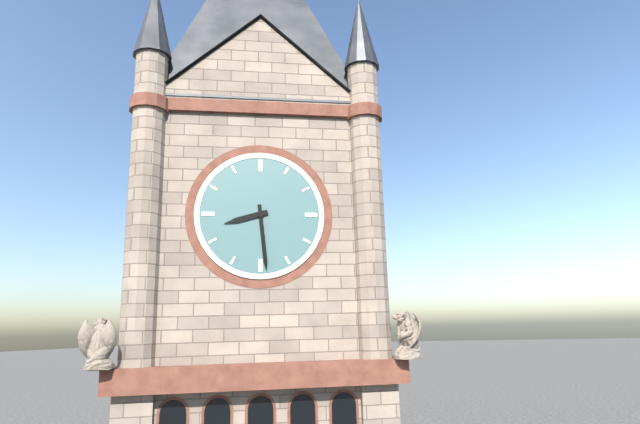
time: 8:29
